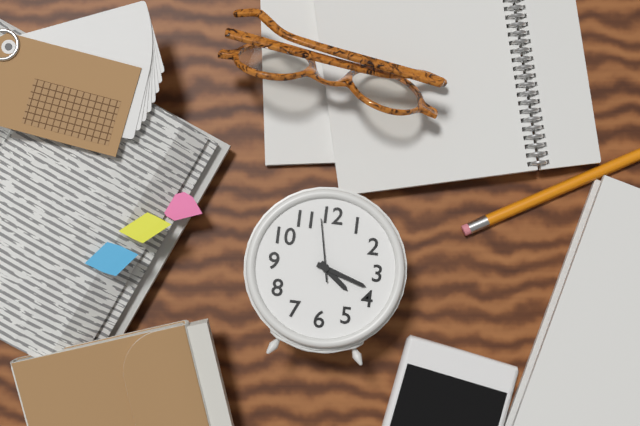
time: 4:18:58
